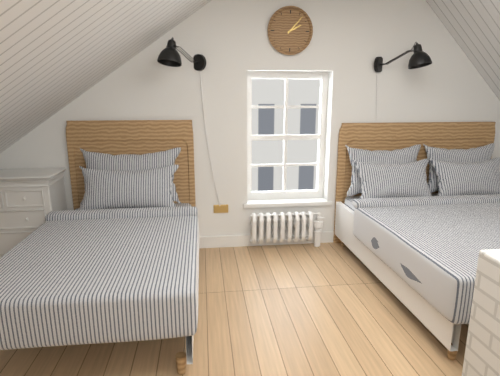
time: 2:07
